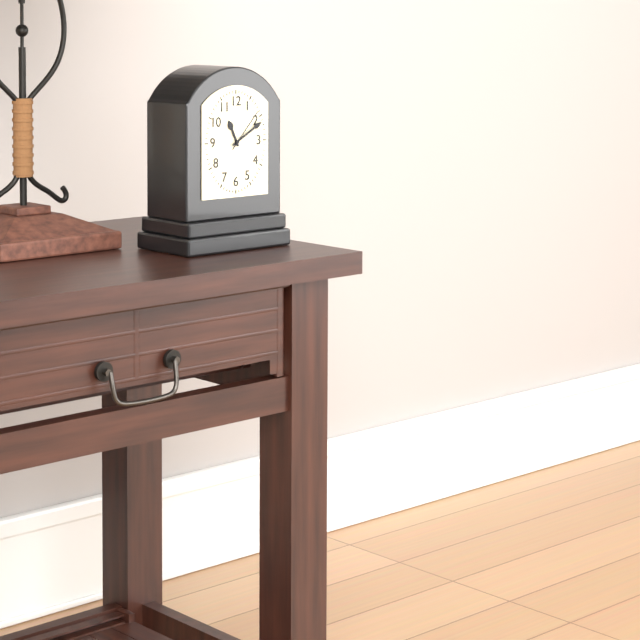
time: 11:10
